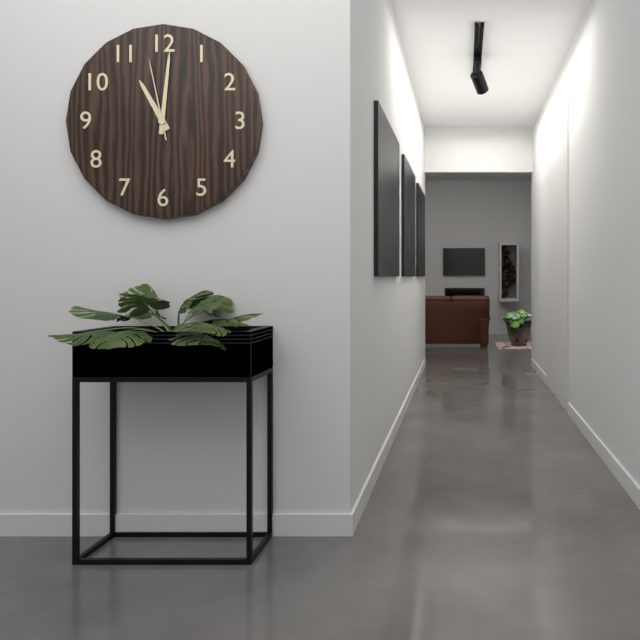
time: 11:01:58
